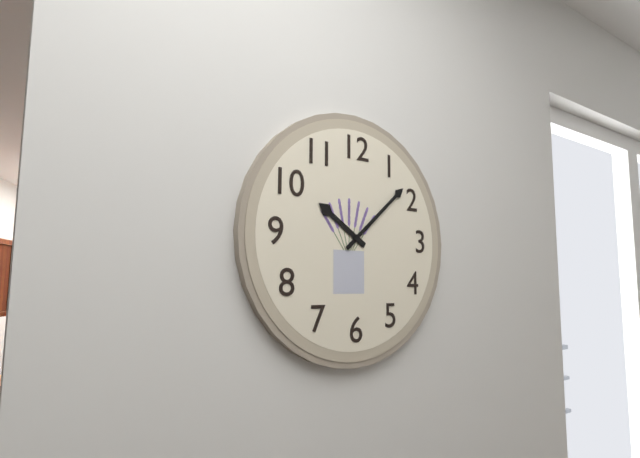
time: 10:08
